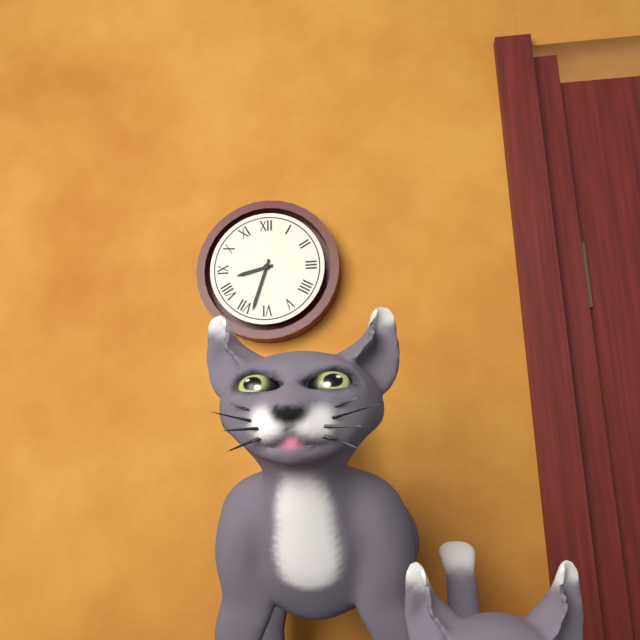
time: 8:33
